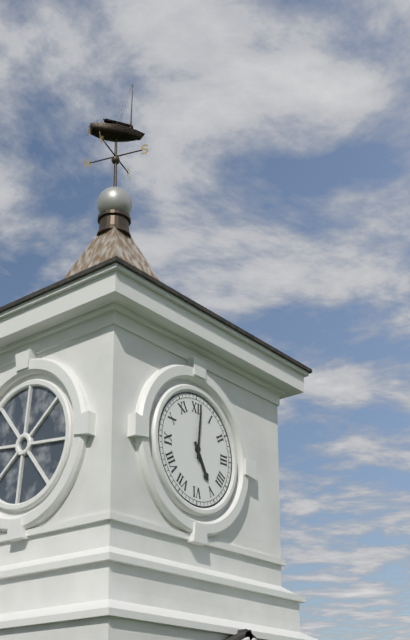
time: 5:01
